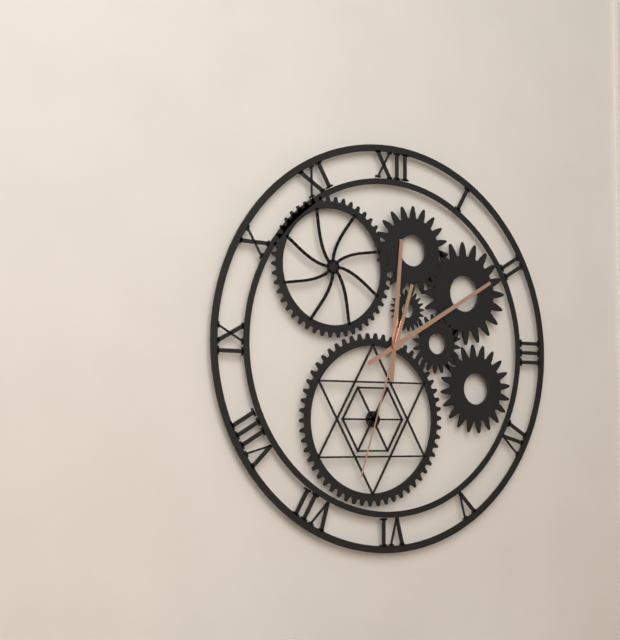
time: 12:10:33
